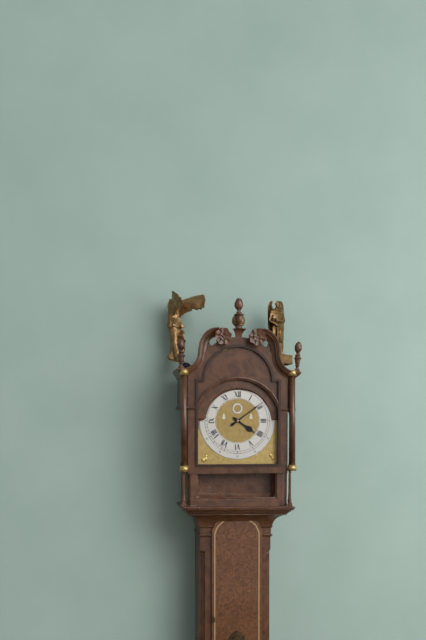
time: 4:09
